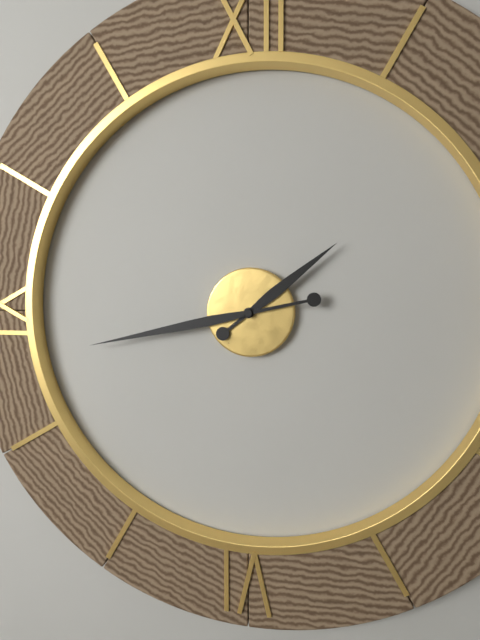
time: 1:43
